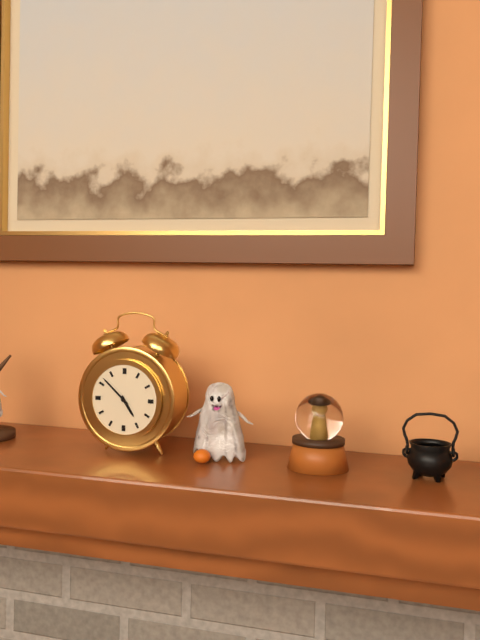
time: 4:52
